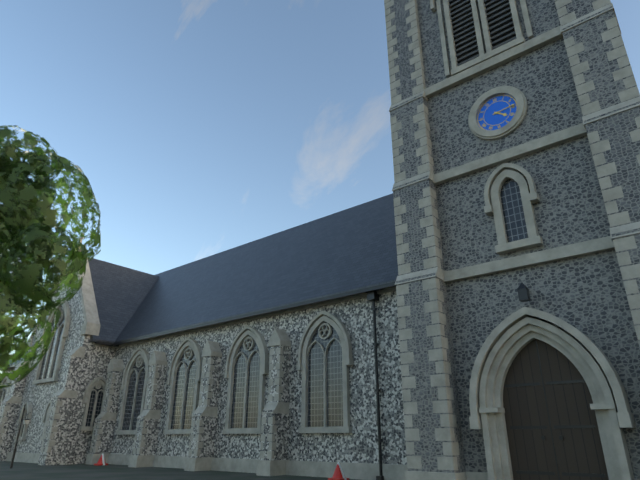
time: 4:14
